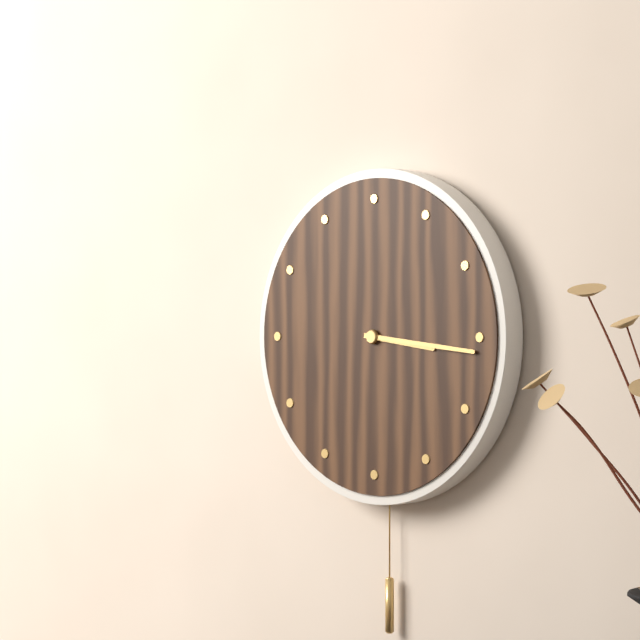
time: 3:16
